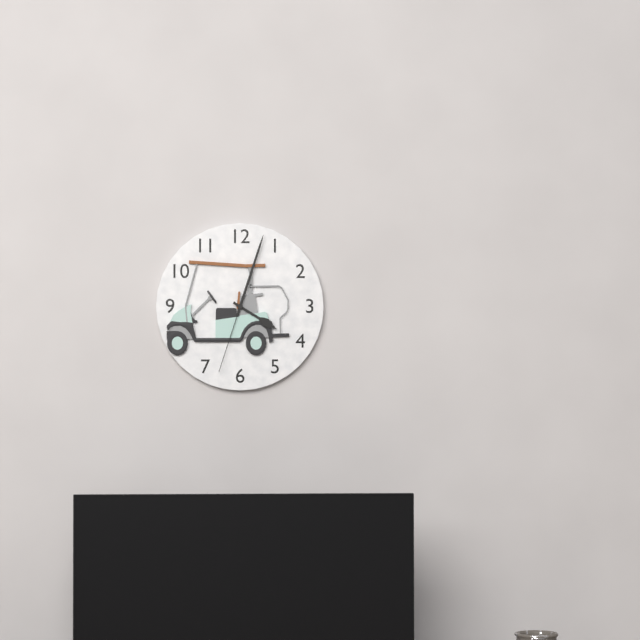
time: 4:03:33
